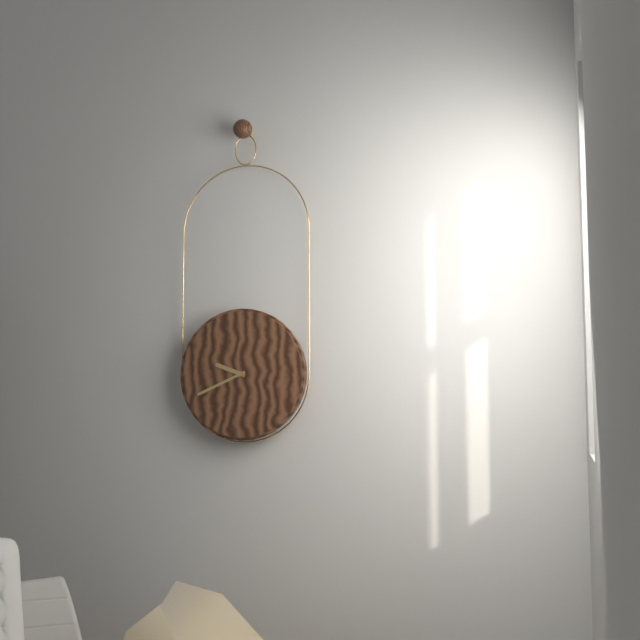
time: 9:41
